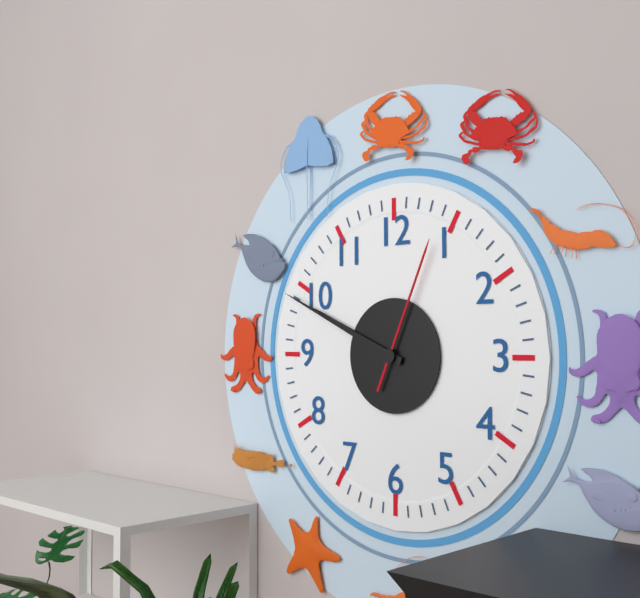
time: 9:49:04
